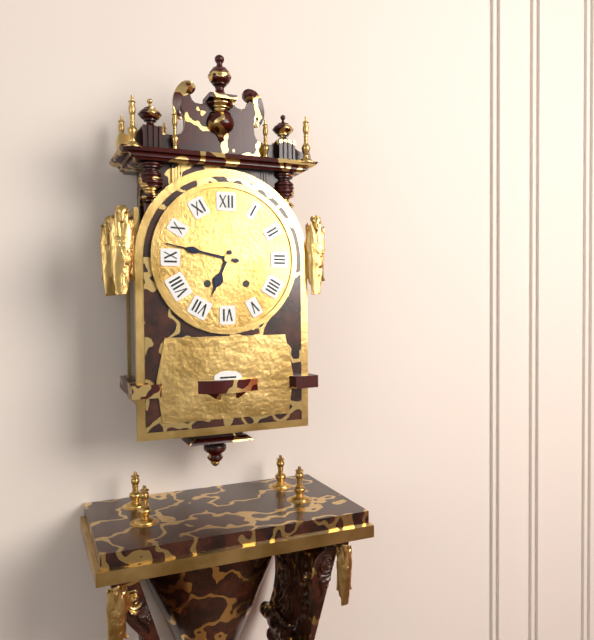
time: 6:47
